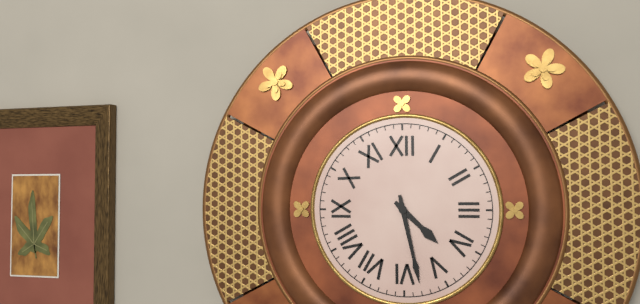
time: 4:28
